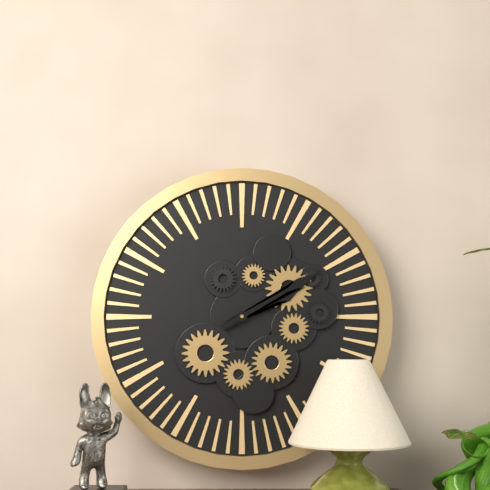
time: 2:10
